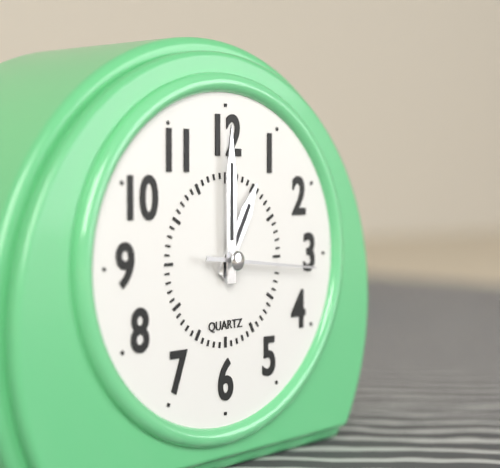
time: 1:00:16
